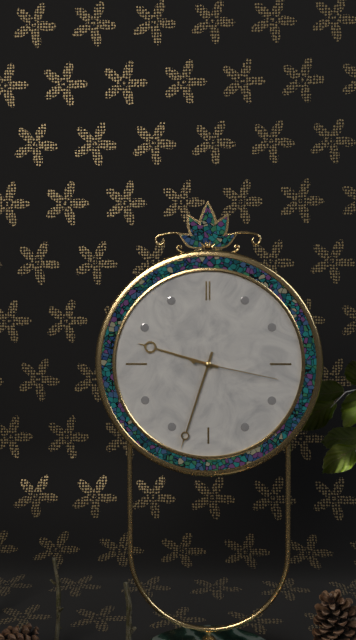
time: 9:33:17
